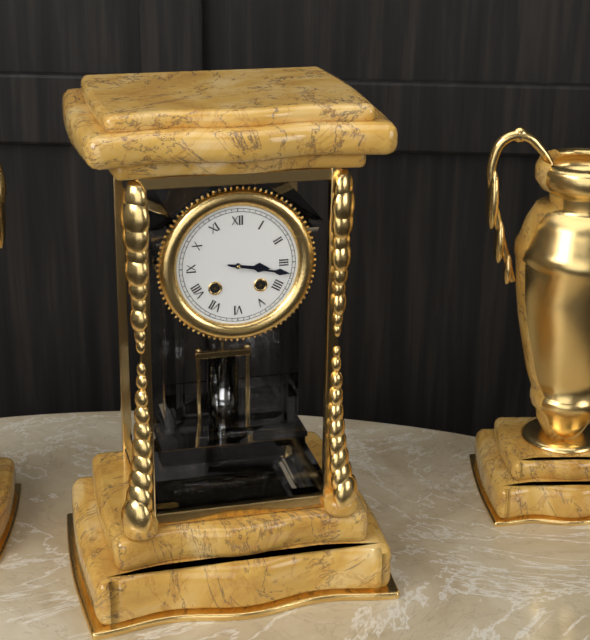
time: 3:17
